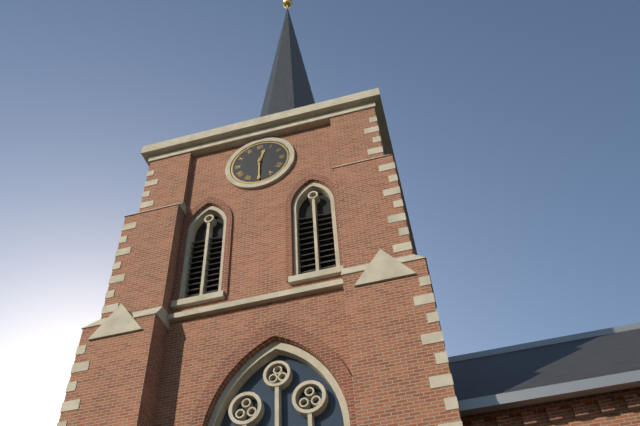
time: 12:30
